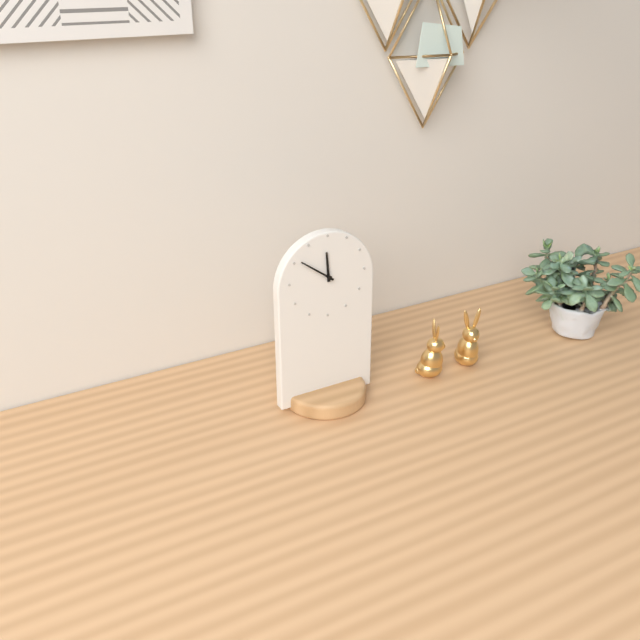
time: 11:51
